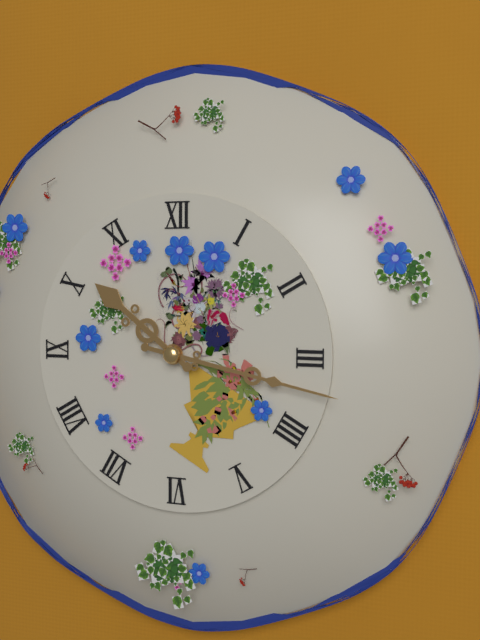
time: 10:17
